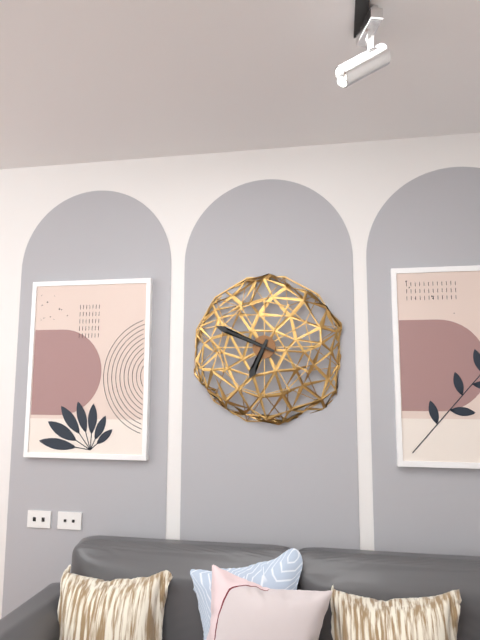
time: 6:49
